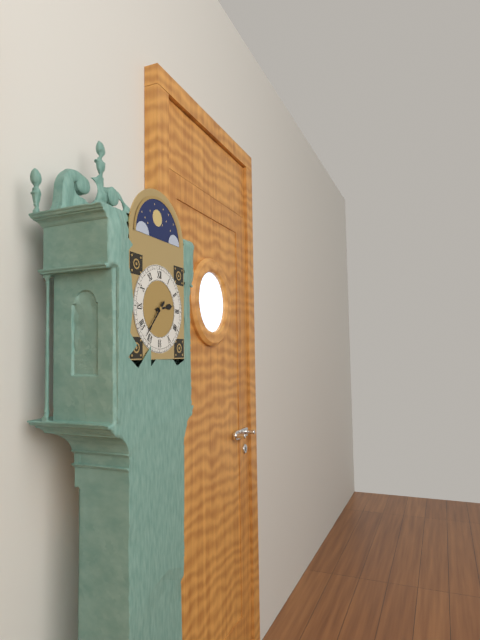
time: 2:37
